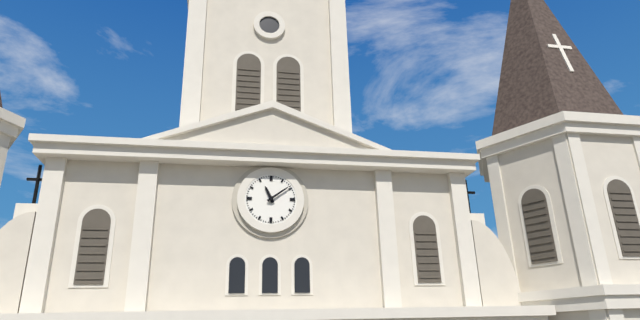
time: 11:09
